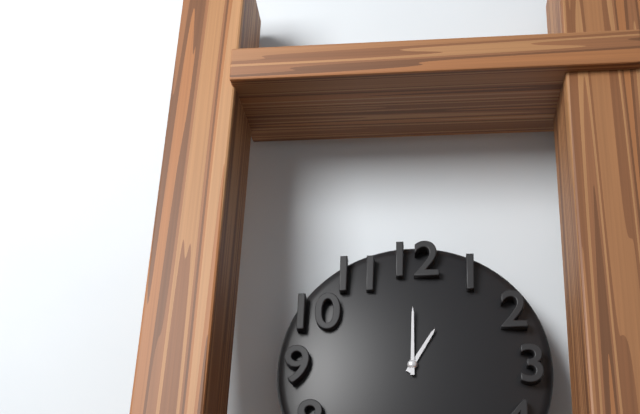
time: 1:00
